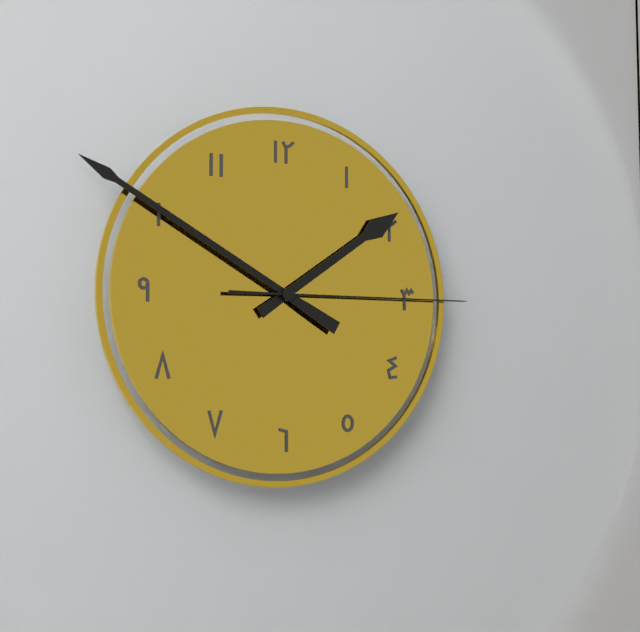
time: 1:50:15
